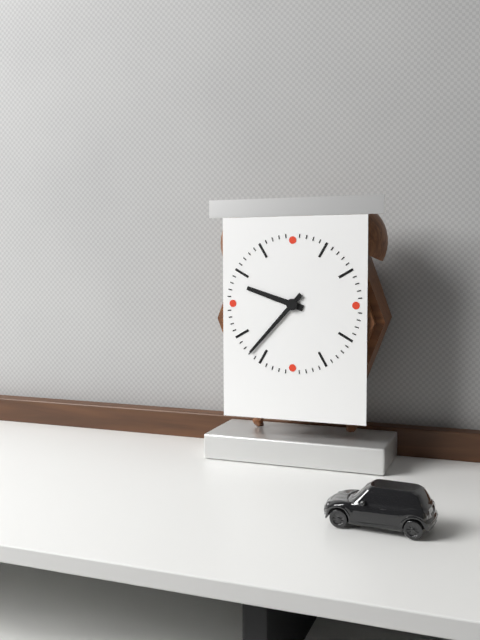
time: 9:37
